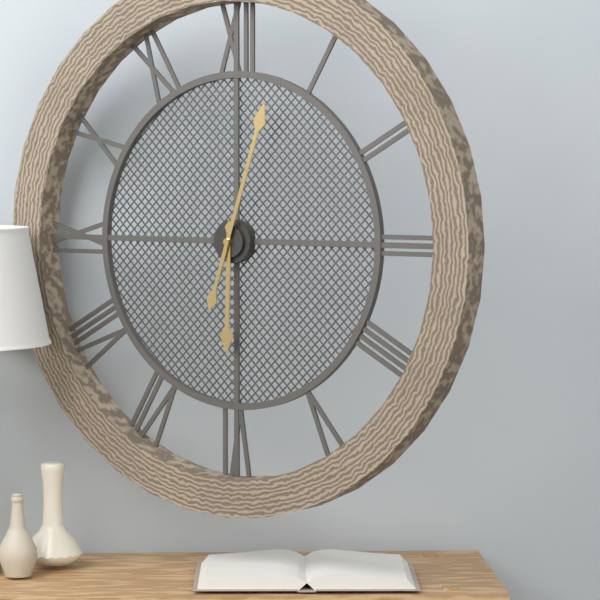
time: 6:03
